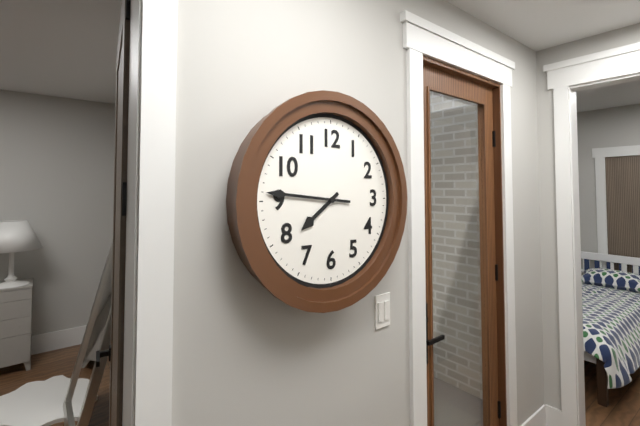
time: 7:46
